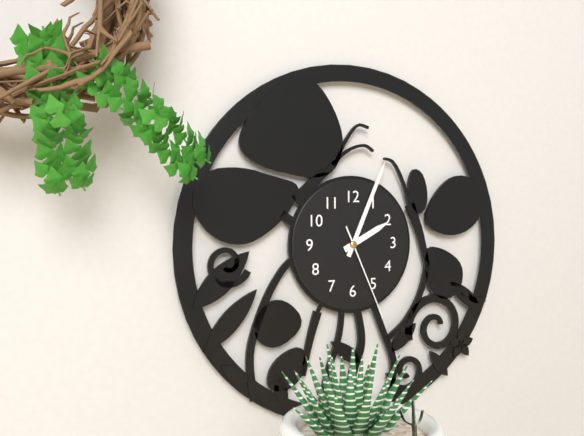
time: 2:04:26
